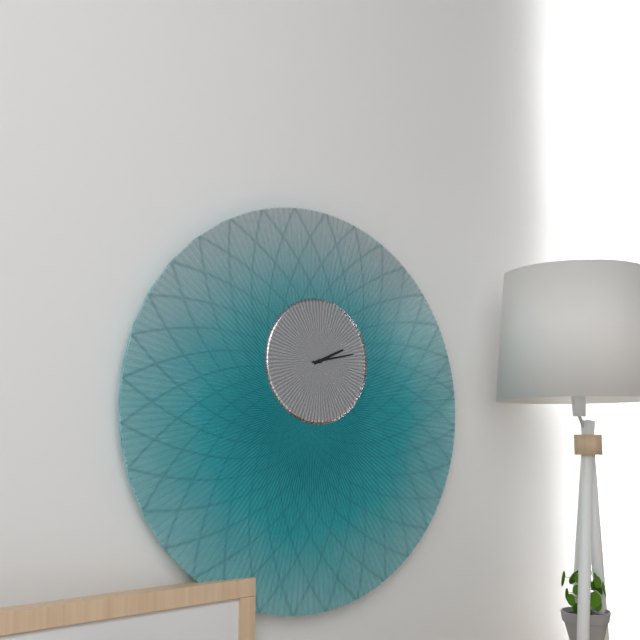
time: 2:13
